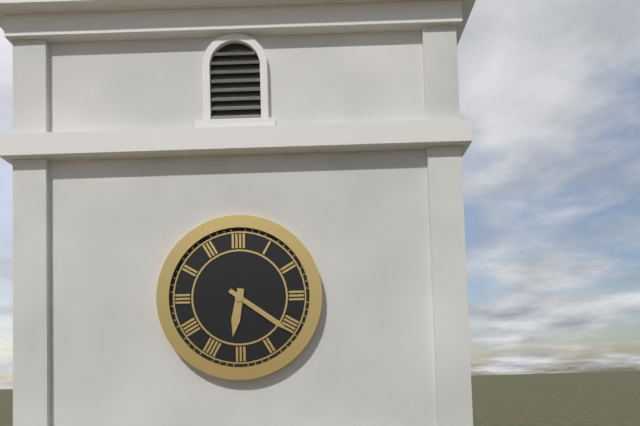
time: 6:21
